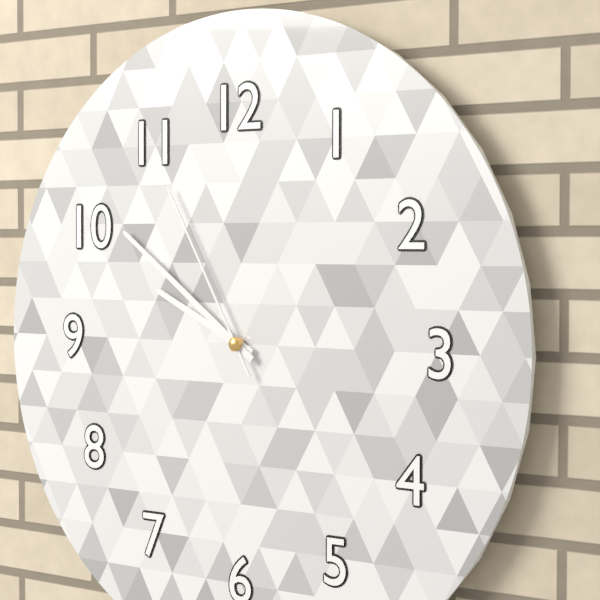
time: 9:51:55
